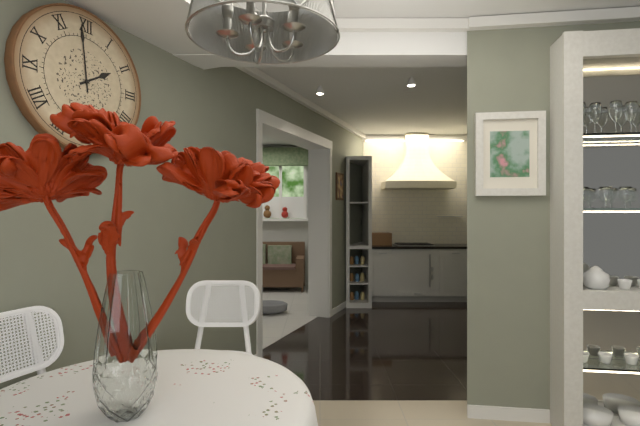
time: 1:59
